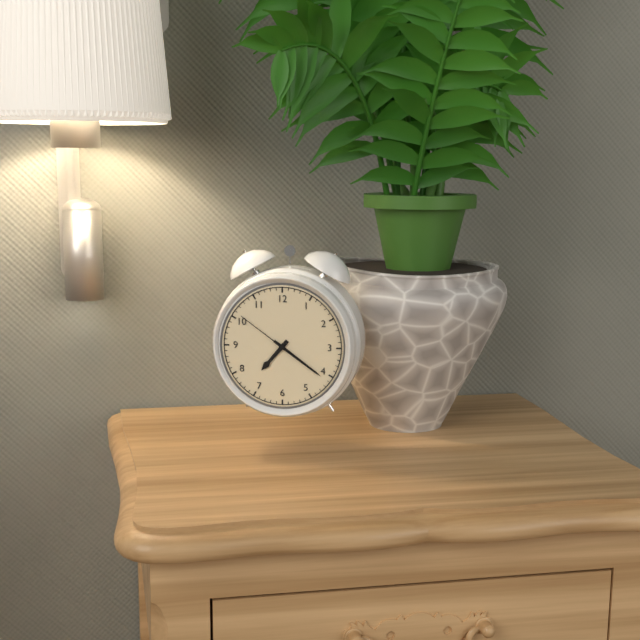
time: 7:21:51
